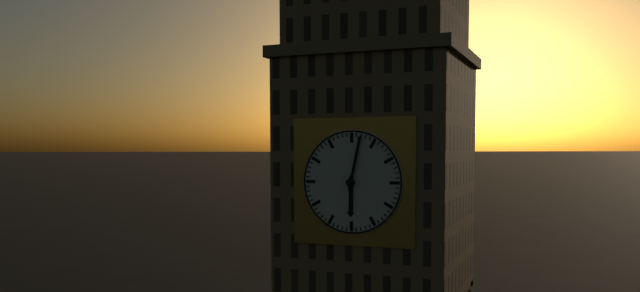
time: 6:02
